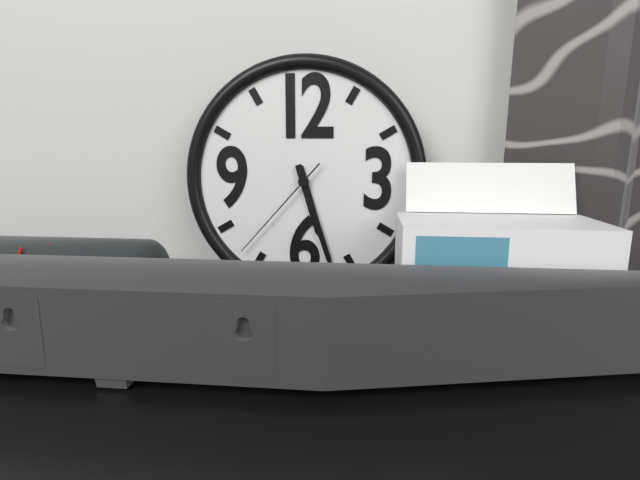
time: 5:27:37
